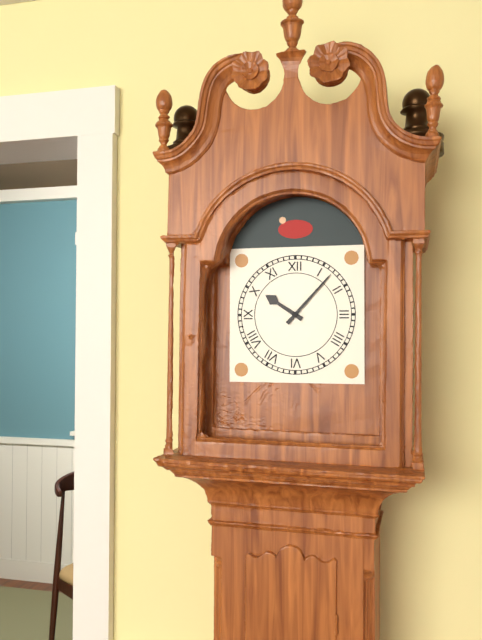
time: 10:07
